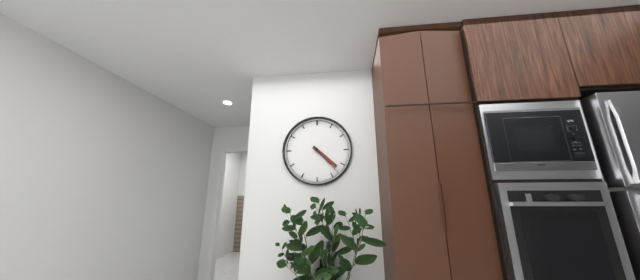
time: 4:23
